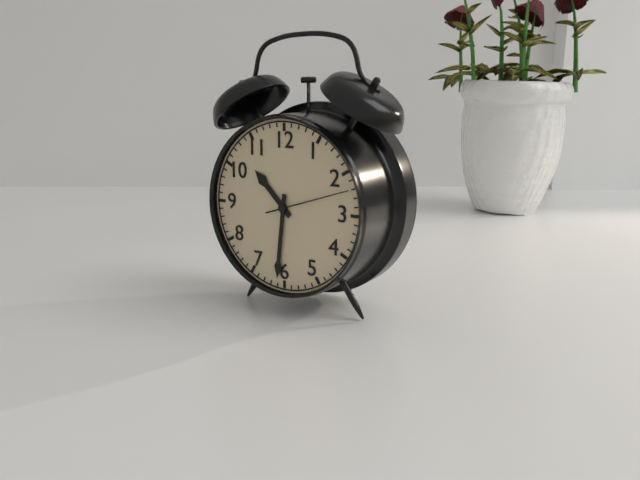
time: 10:31:12
